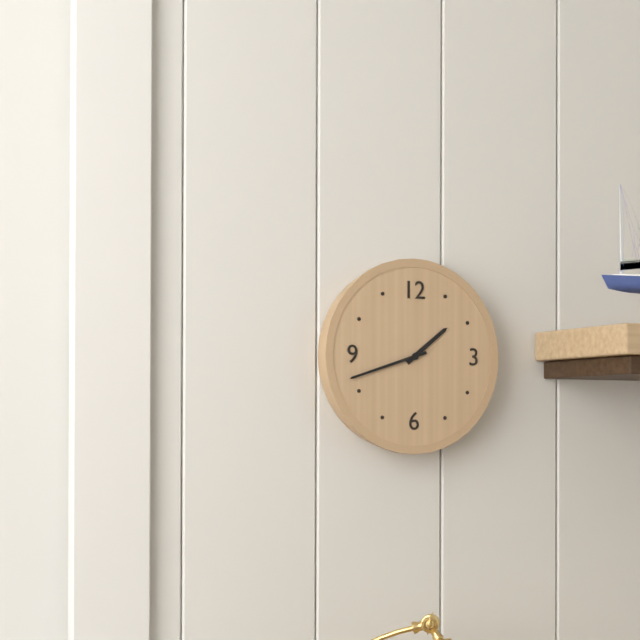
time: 1:42
